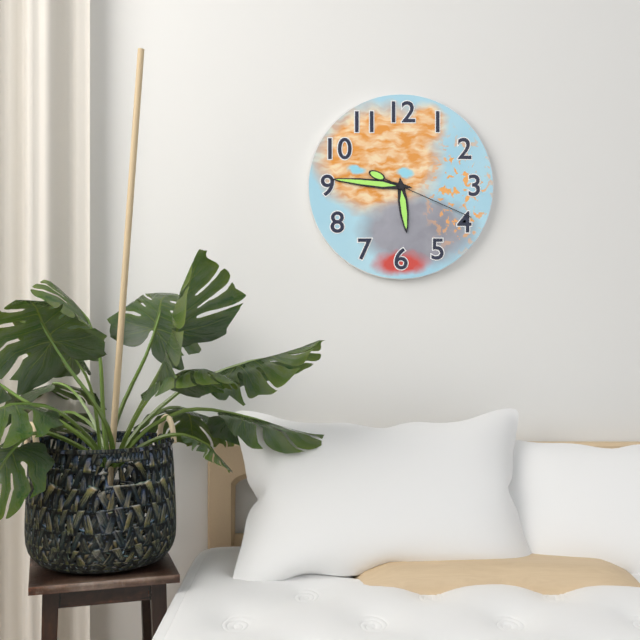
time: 5:46:19
